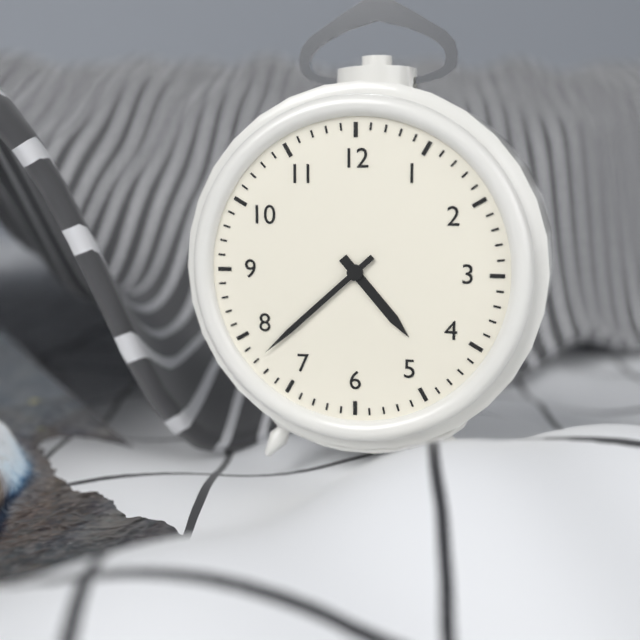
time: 4:38
